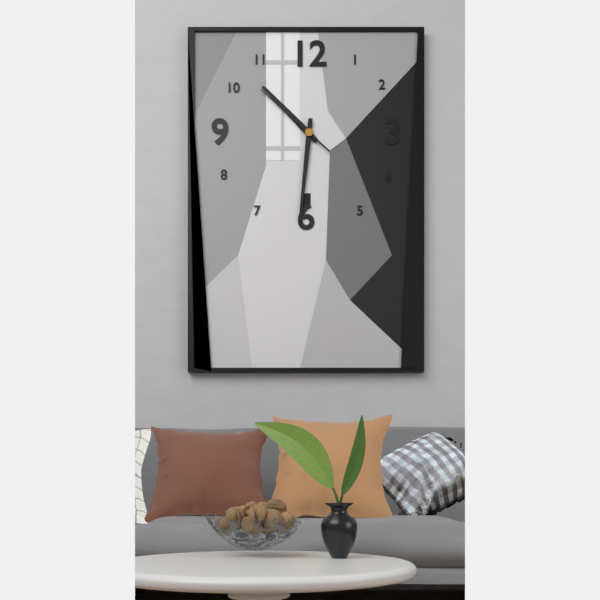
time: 10:31:52
